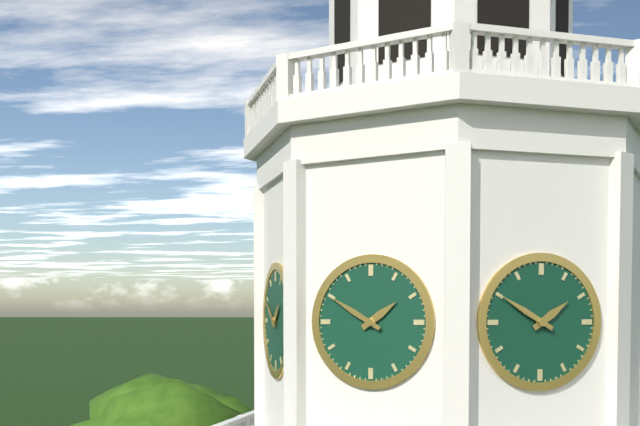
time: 1:50
